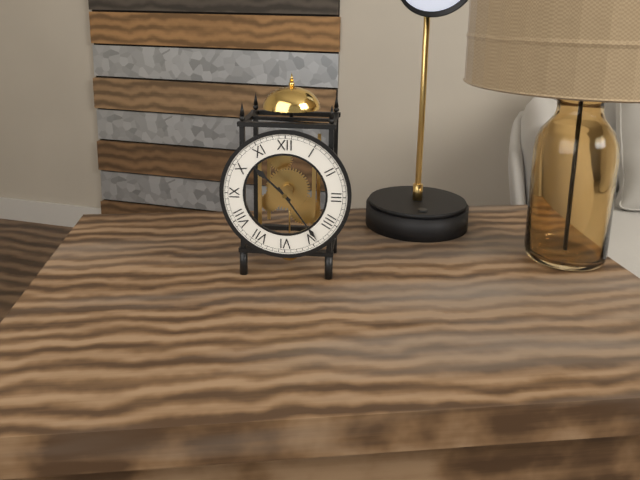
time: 10:24
